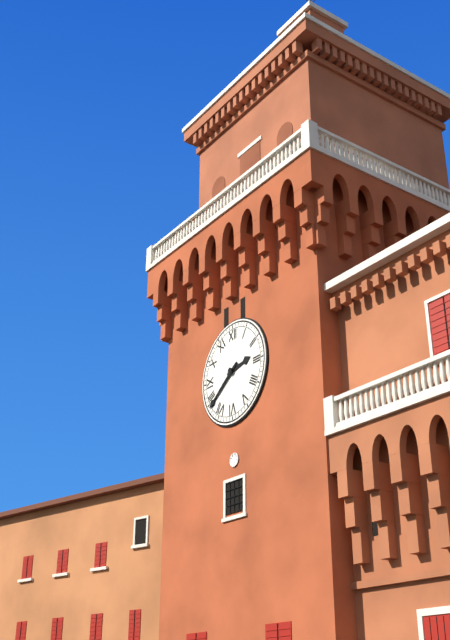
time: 2:39
